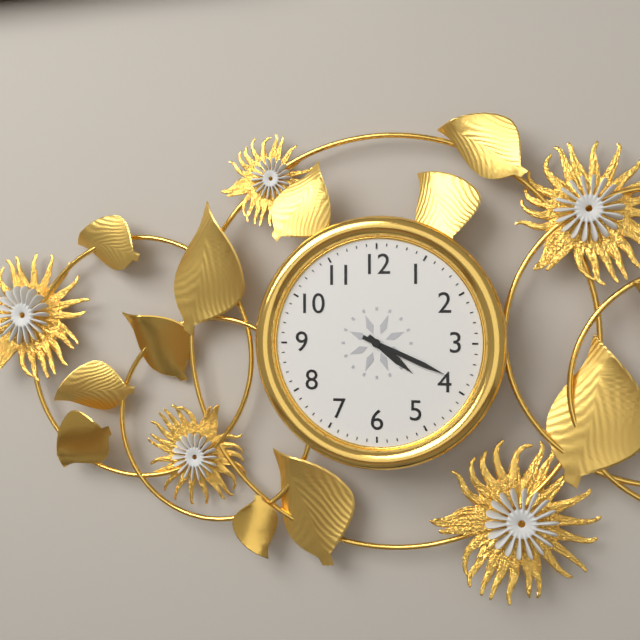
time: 4:19
